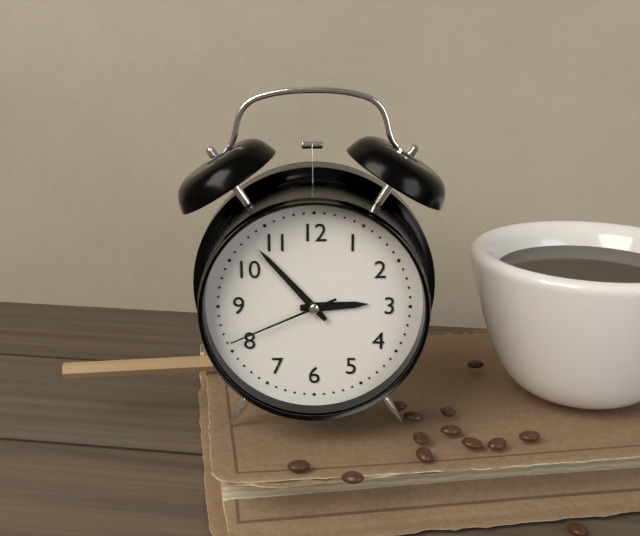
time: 2:53:41
